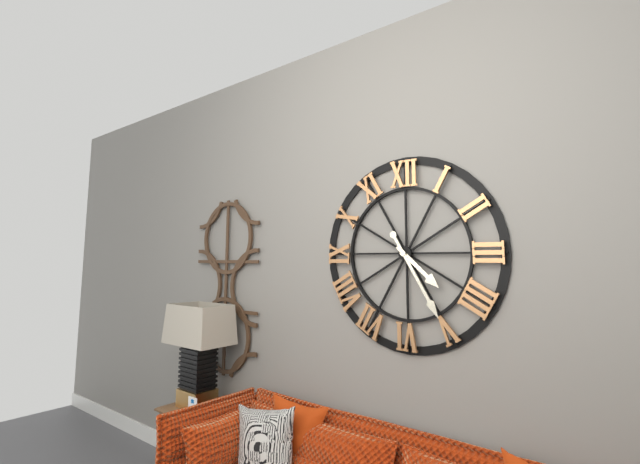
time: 4:25
